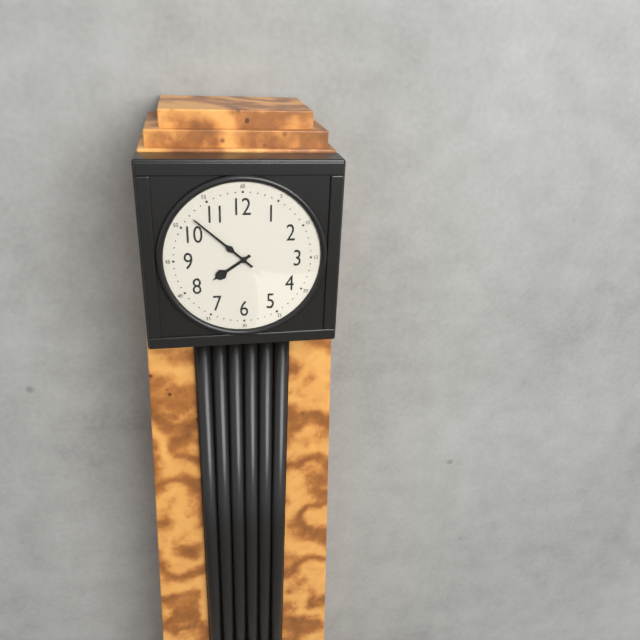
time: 7:52
